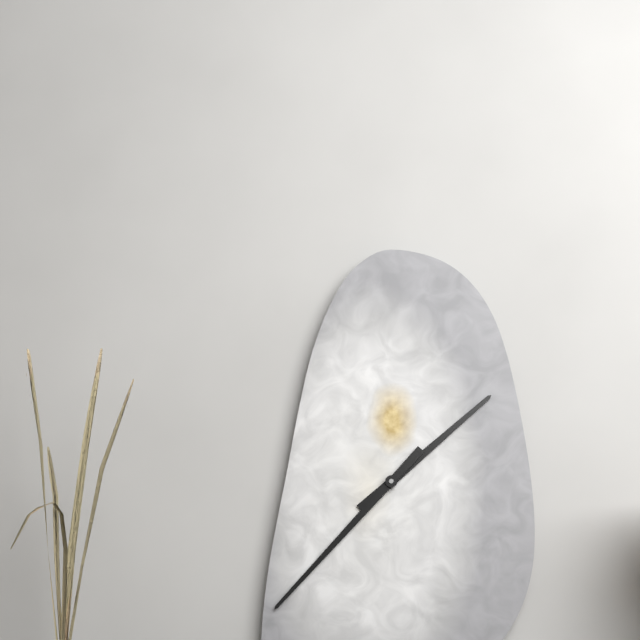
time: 1:37
